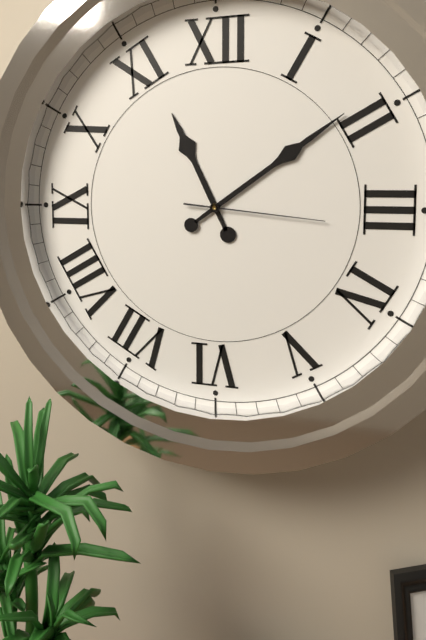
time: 11:09:16
